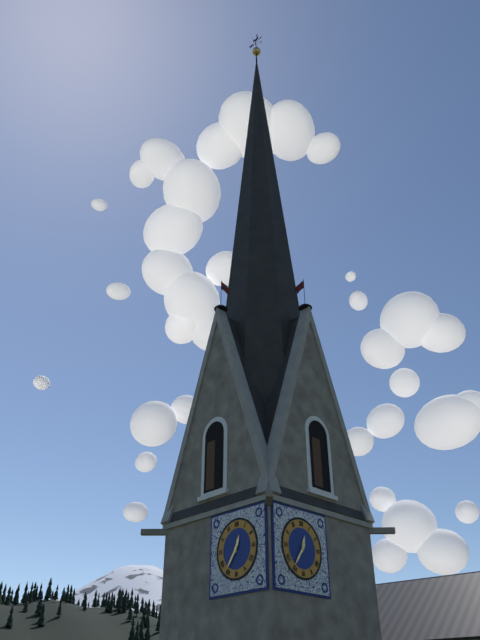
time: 12:36
